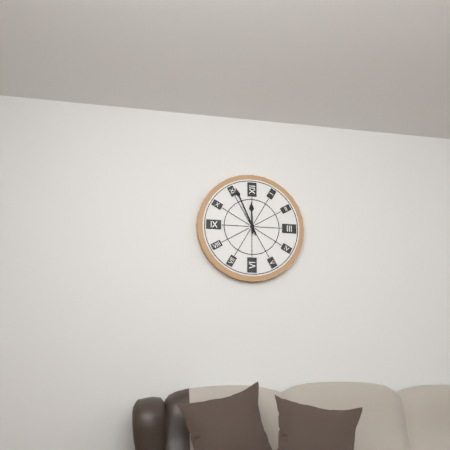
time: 11:56
